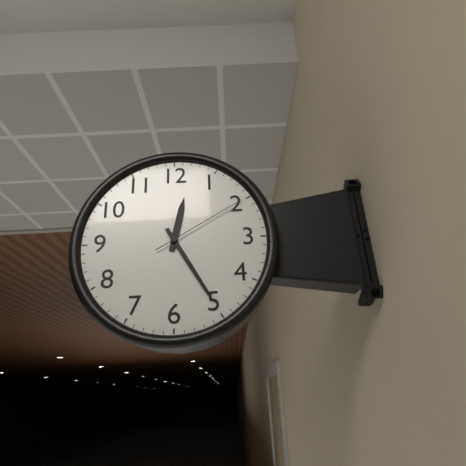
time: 12:25:10
